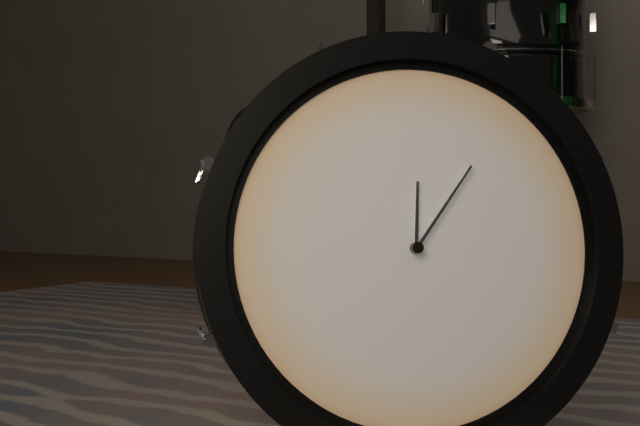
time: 12:06
